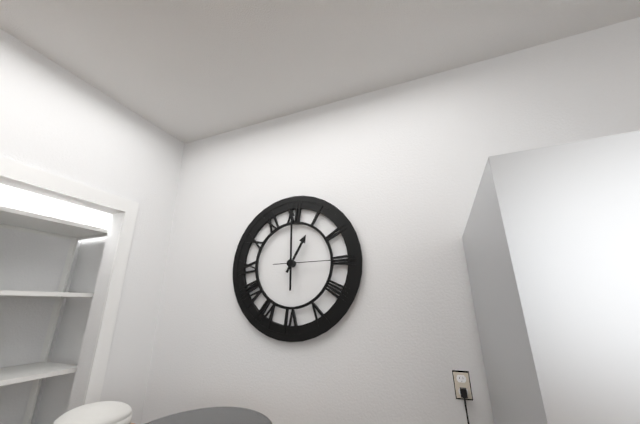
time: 1:00:15
